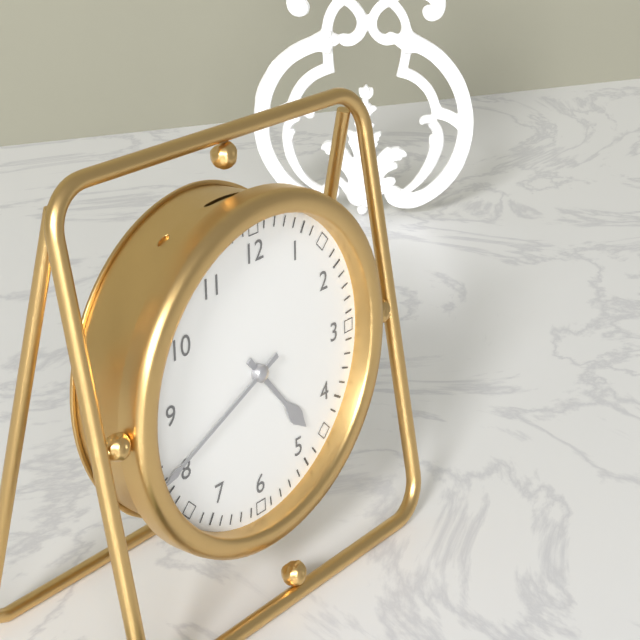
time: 4:41
